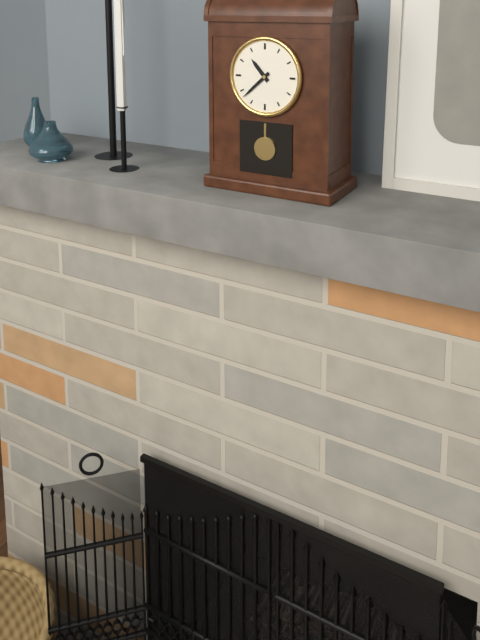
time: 10:38
